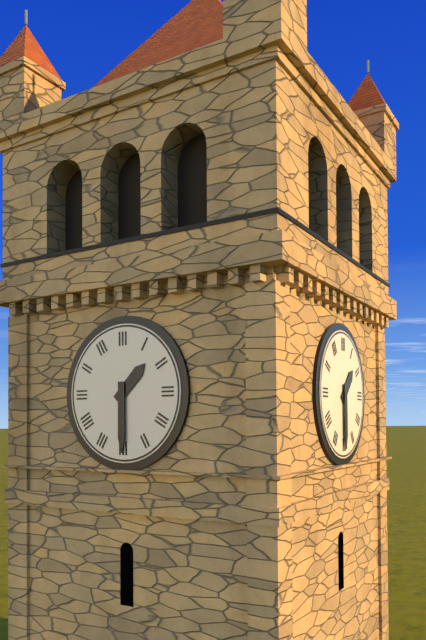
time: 1:30
